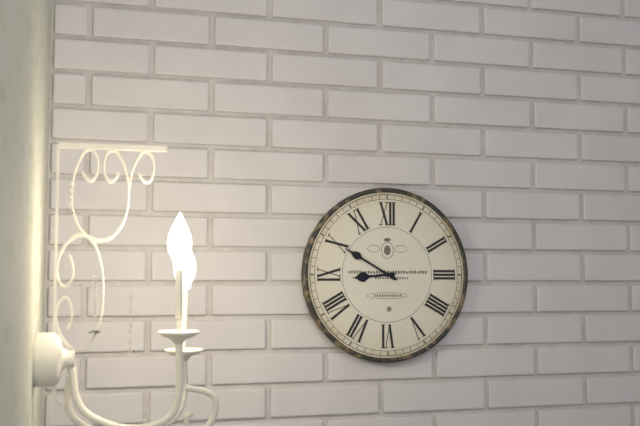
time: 8:50
